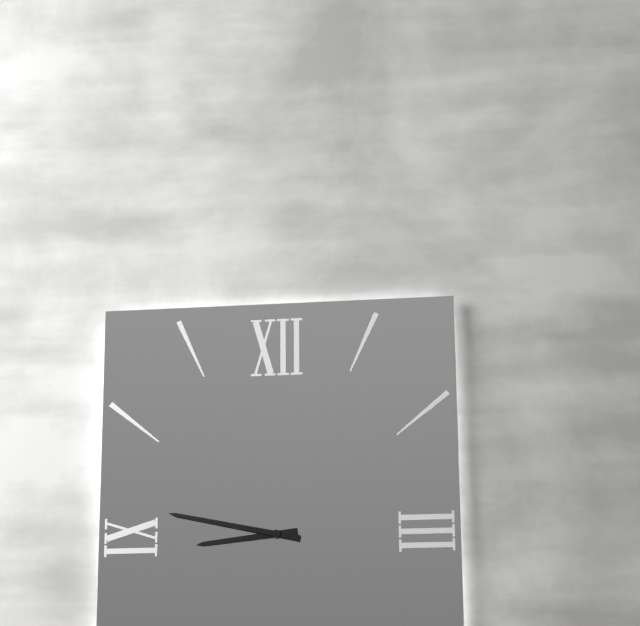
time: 8:47
